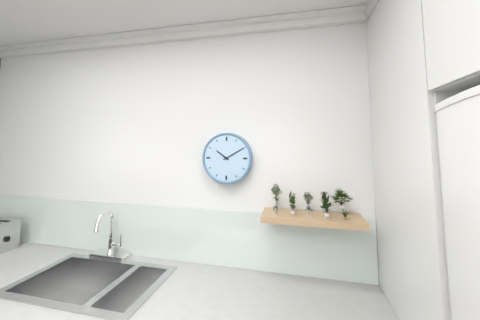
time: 10:10
